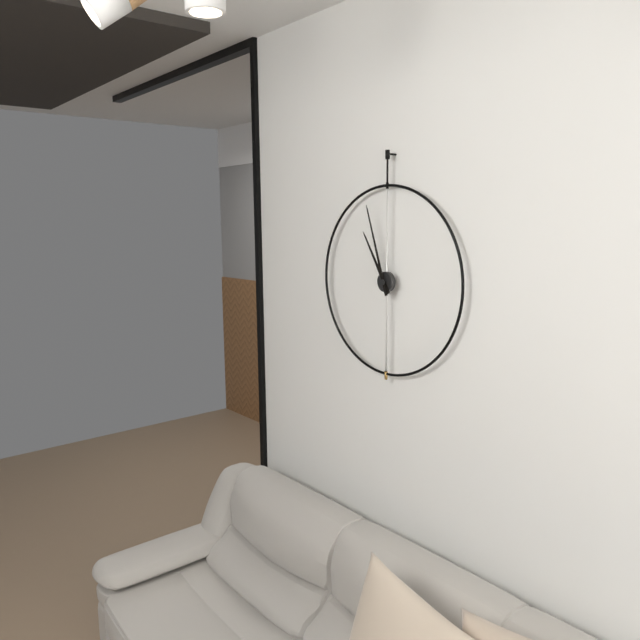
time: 10:57
